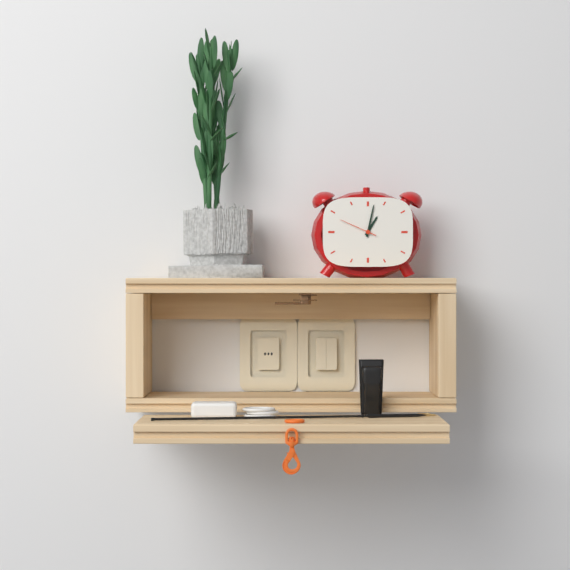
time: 1:02
